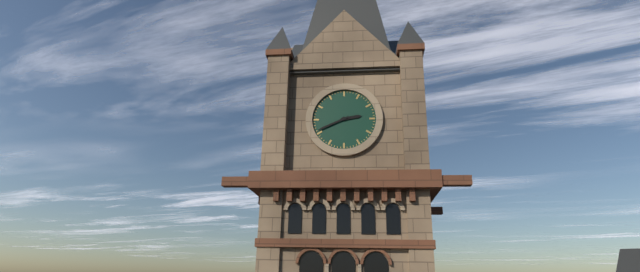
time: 2:41
